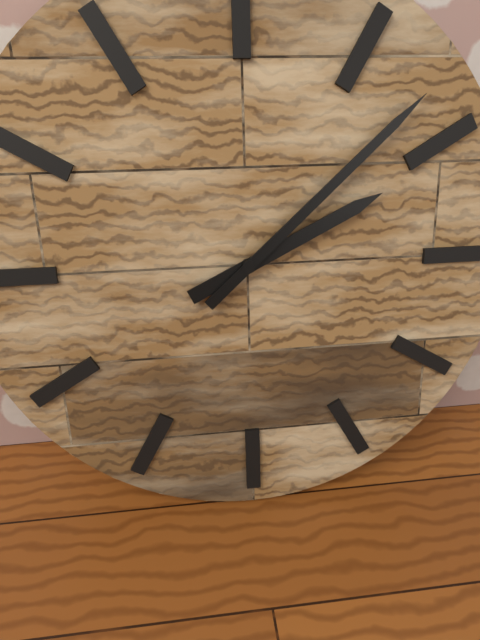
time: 2:08
